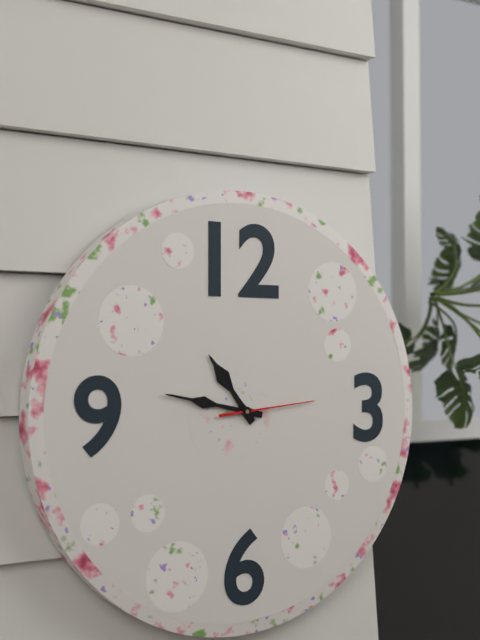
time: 10:47:14
